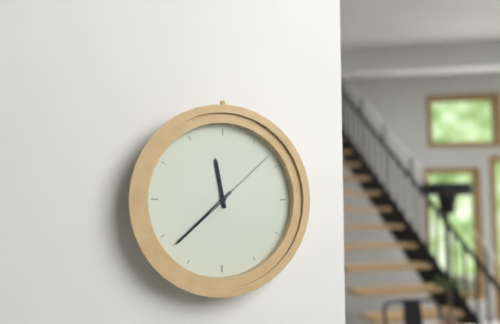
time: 11:38:08
